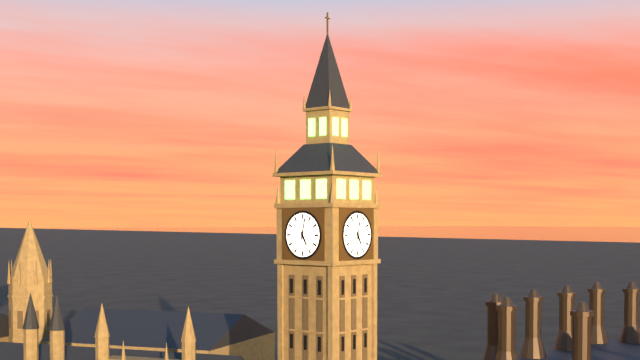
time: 5:02
